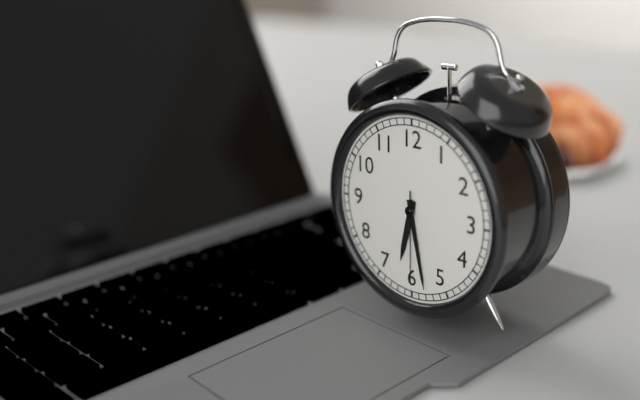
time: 6:28:30
